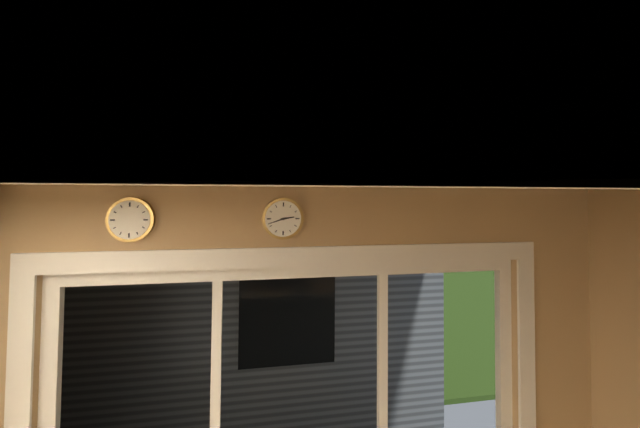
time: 2:42
